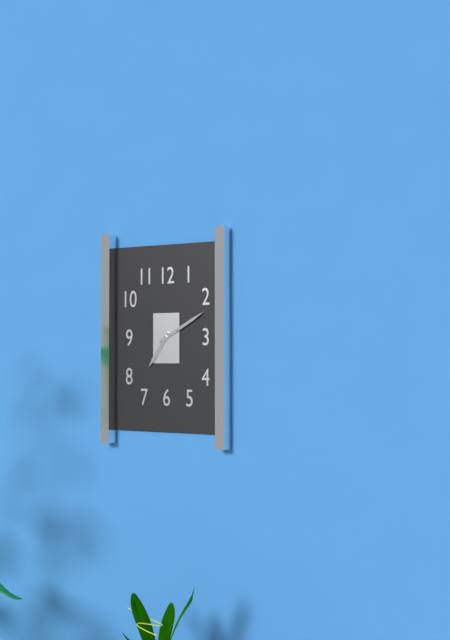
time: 7:10
